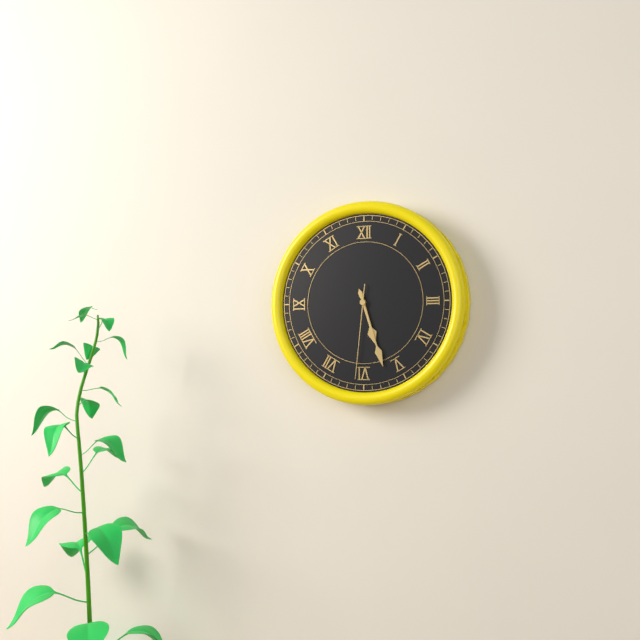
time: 5:27:31
